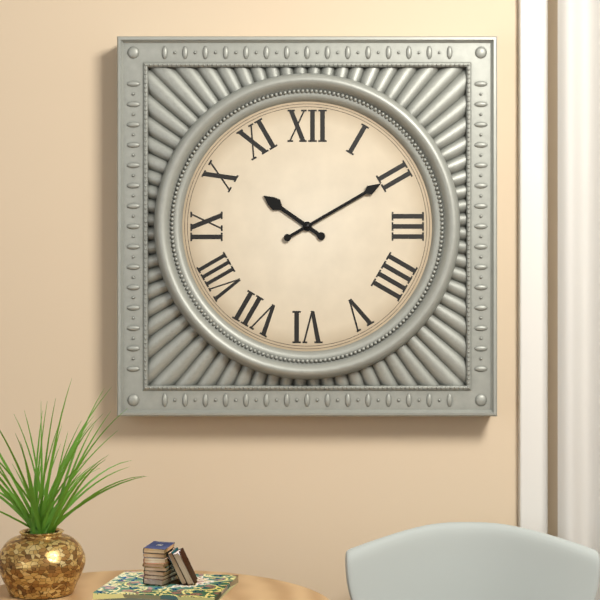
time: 10:10
